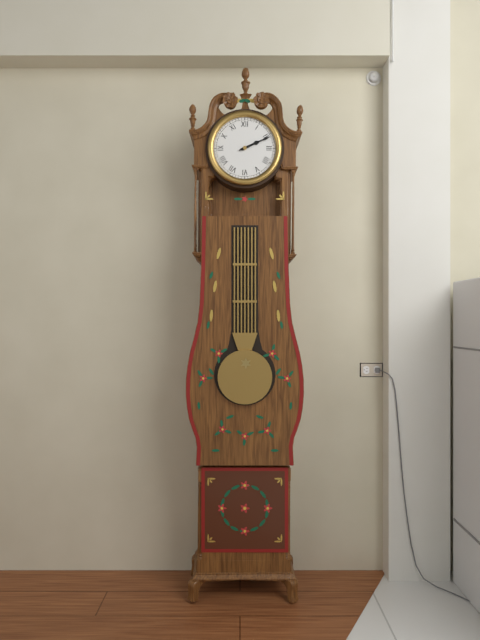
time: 2:11
